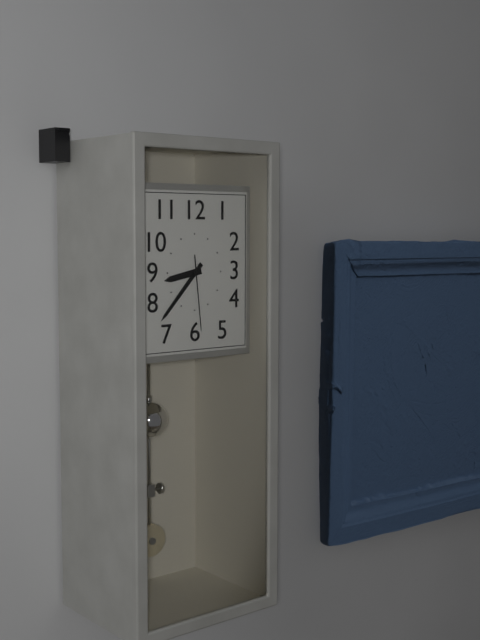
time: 8:37:29
